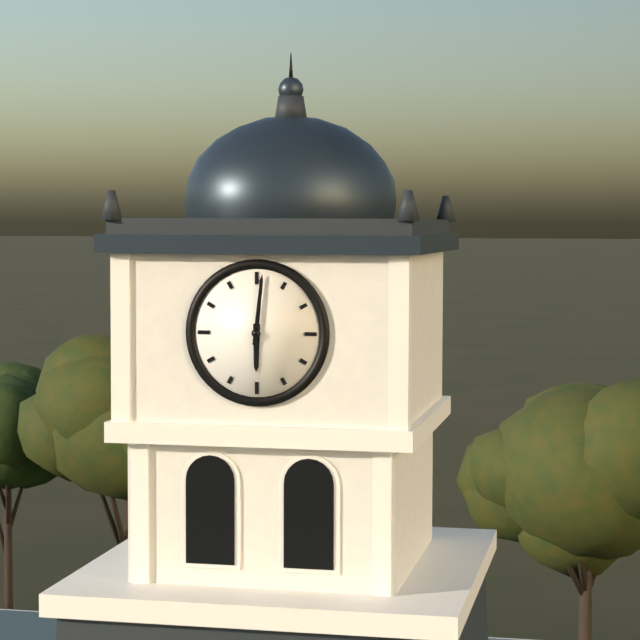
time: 6:01
